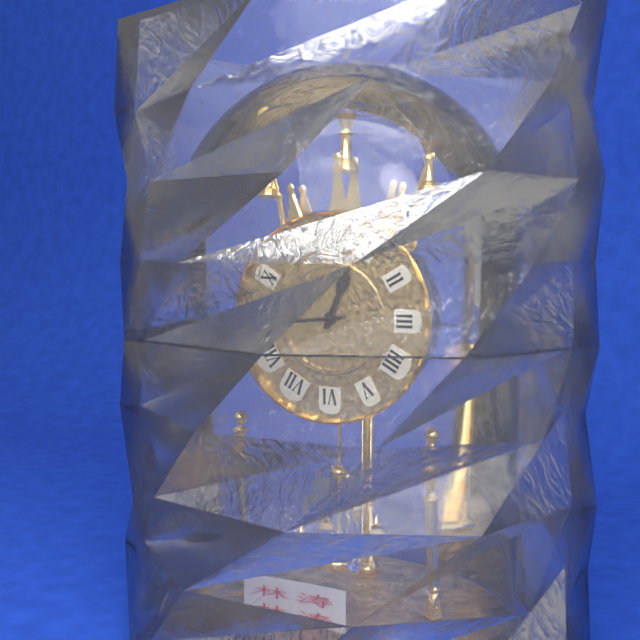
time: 12:44
